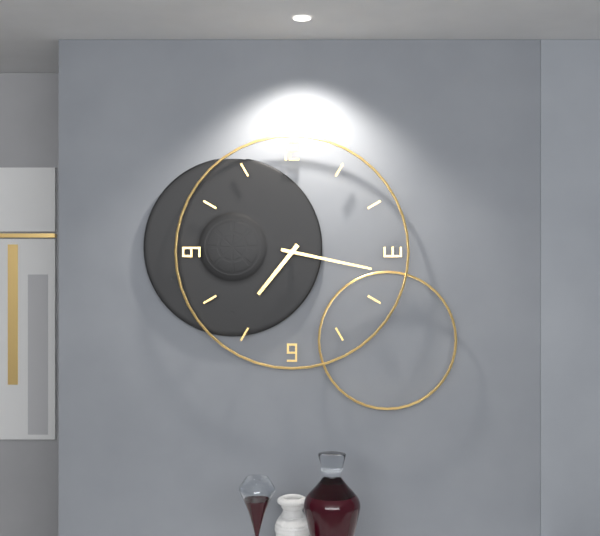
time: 7:17
